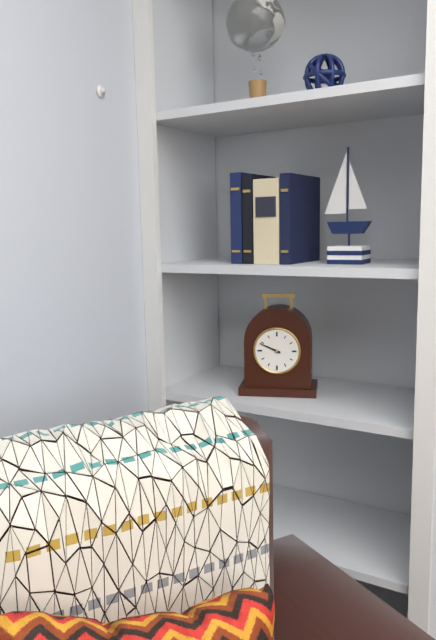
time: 9:49
